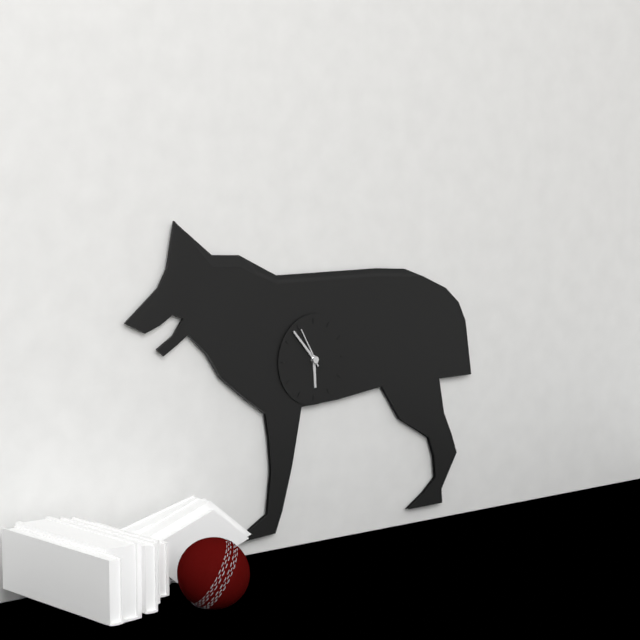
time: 5:53
